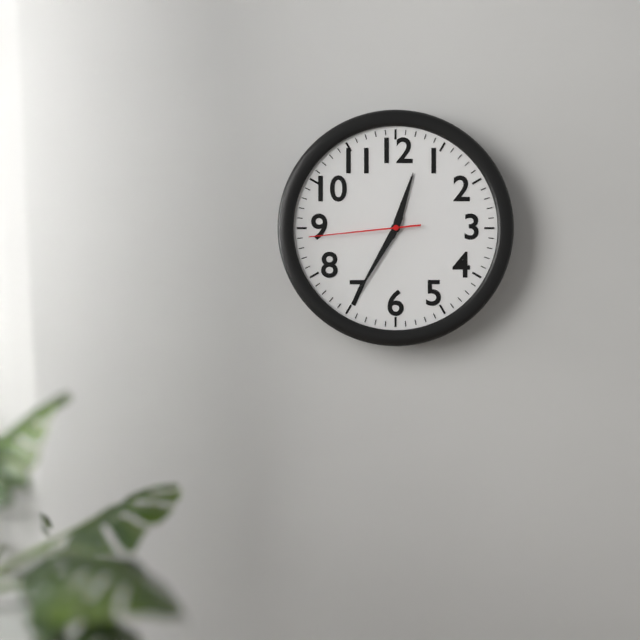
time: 12:35:44
